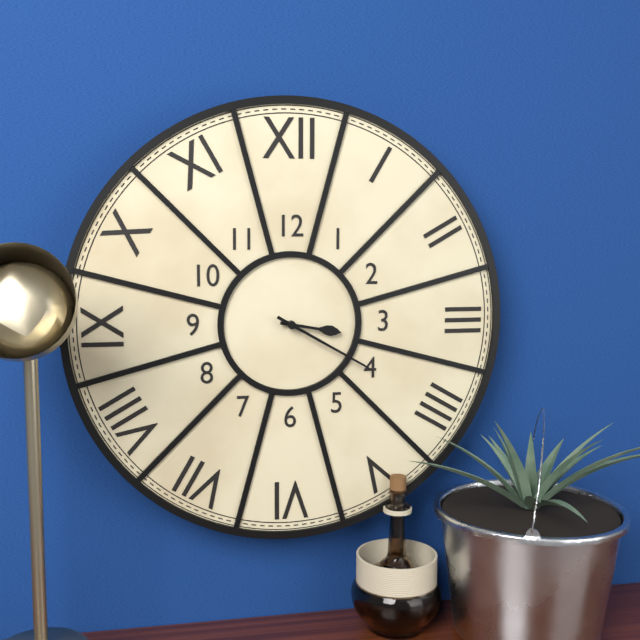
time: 3:20
